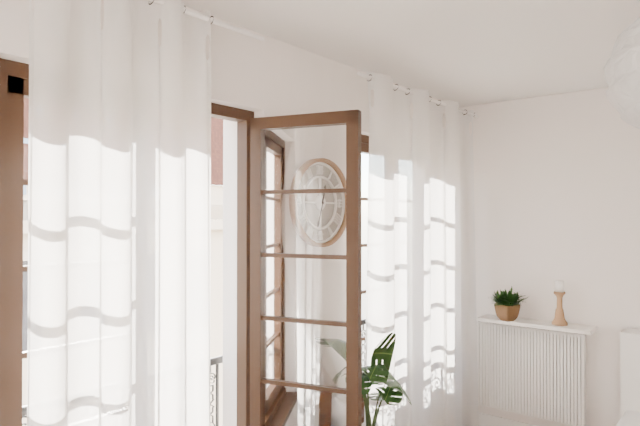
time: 12:33
